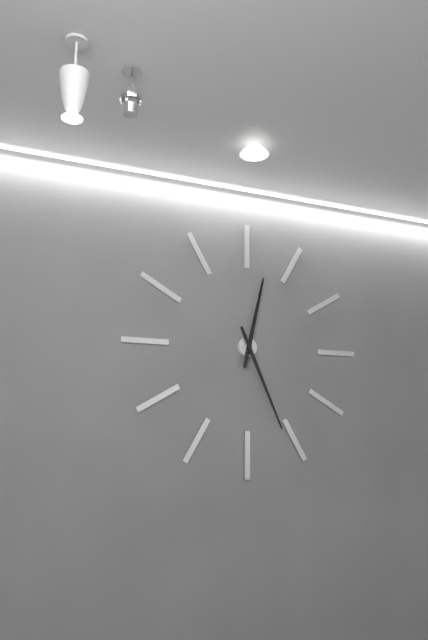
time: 12:26
